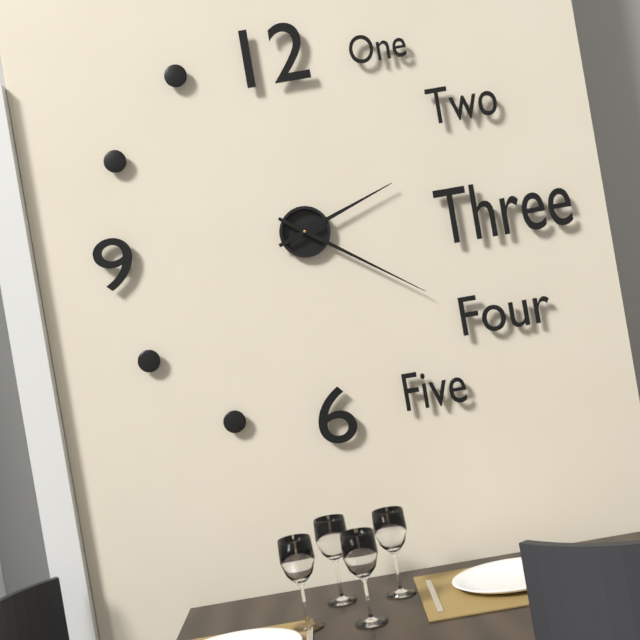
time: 2:21
